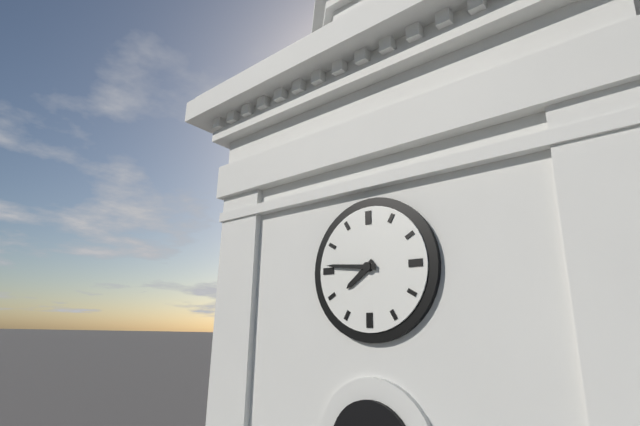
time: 7:46
